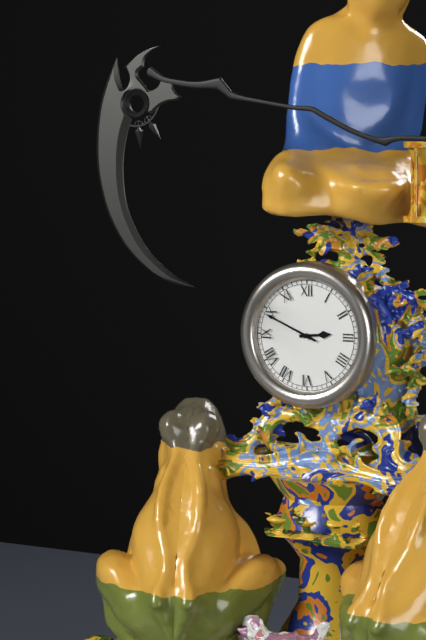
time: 2:49
